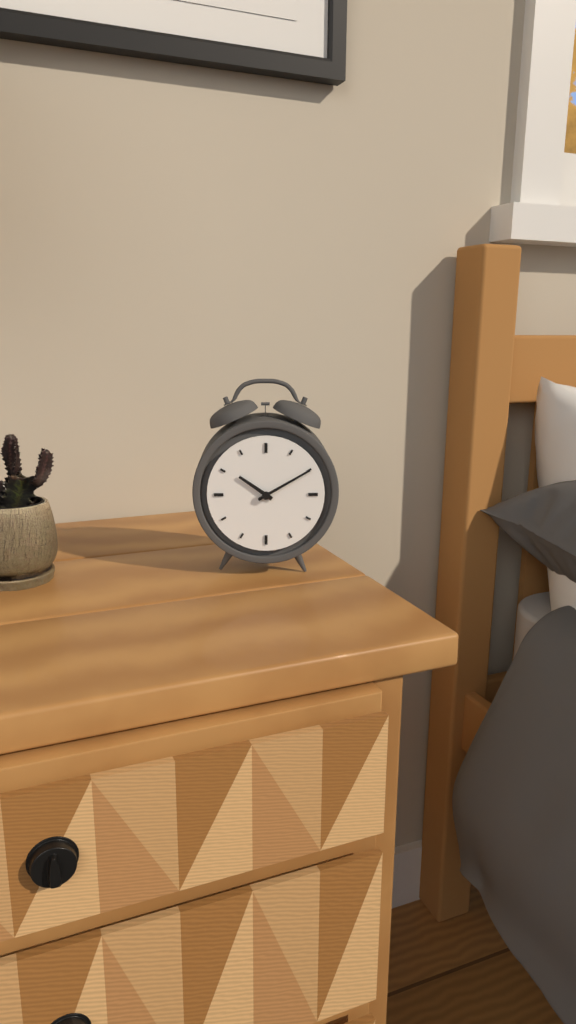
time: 10:10
